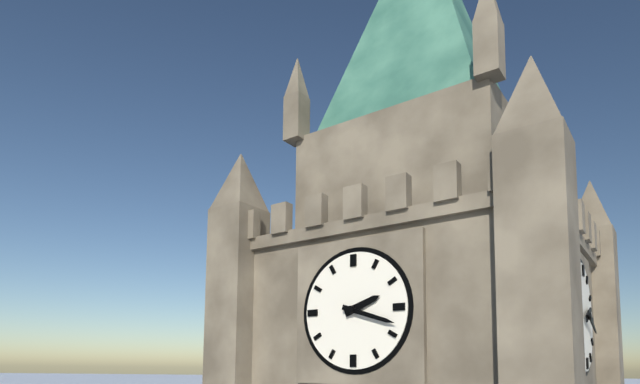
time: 2:18
